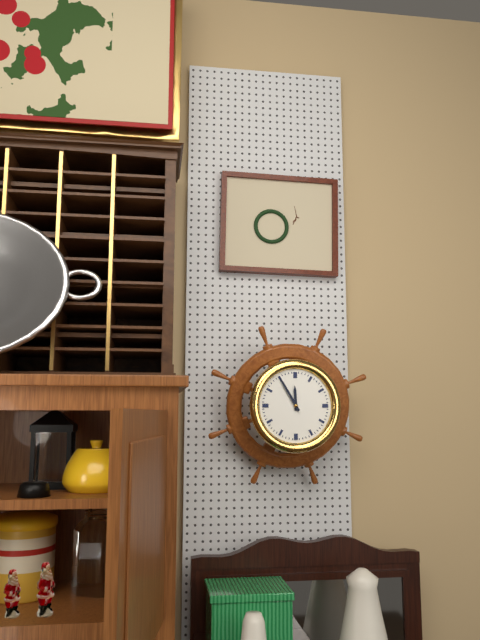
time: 11:55
